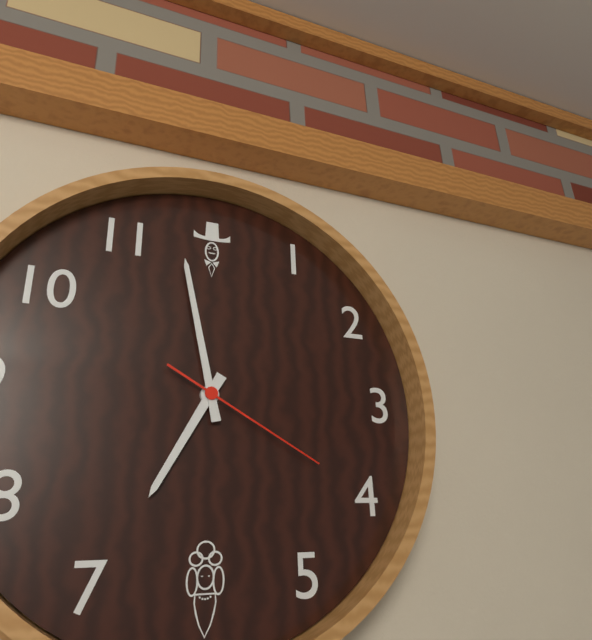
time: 6:58:20
